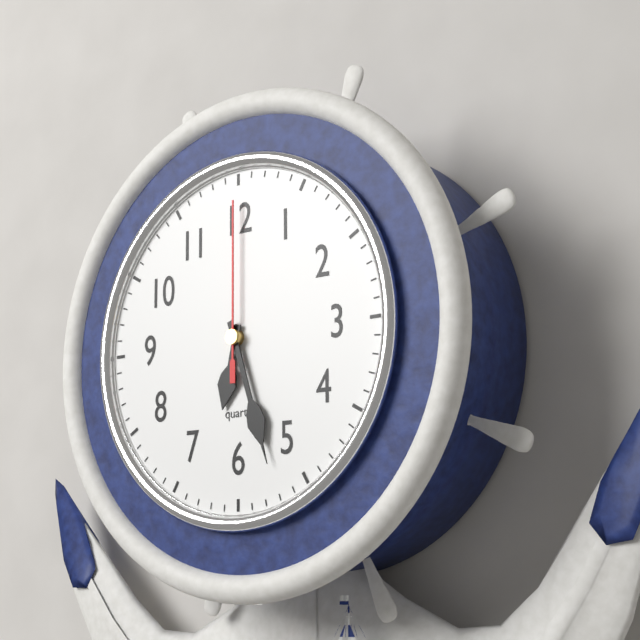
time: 6:27:00
